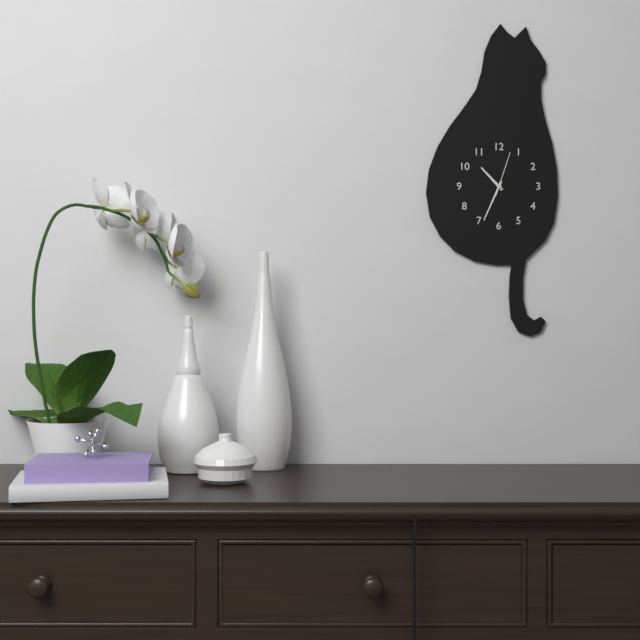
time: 10:34
